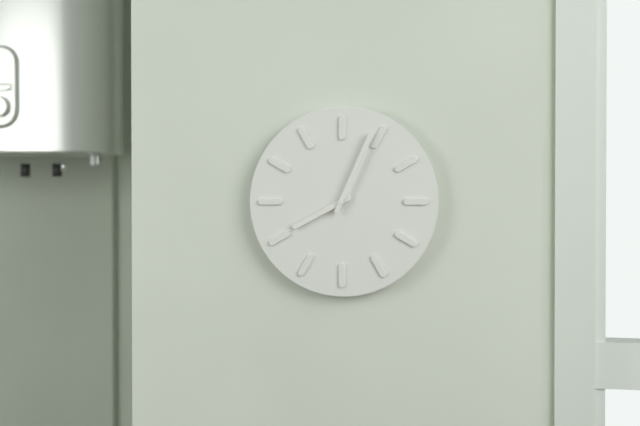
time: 8:04
